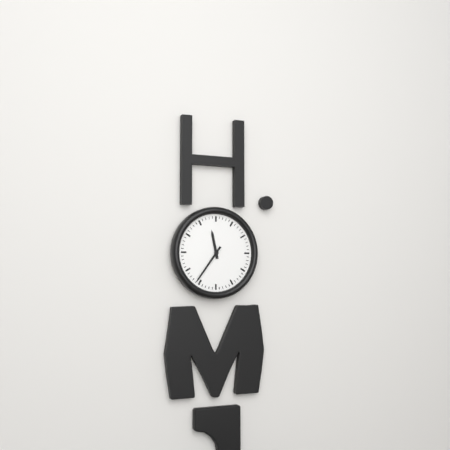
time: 11:36
